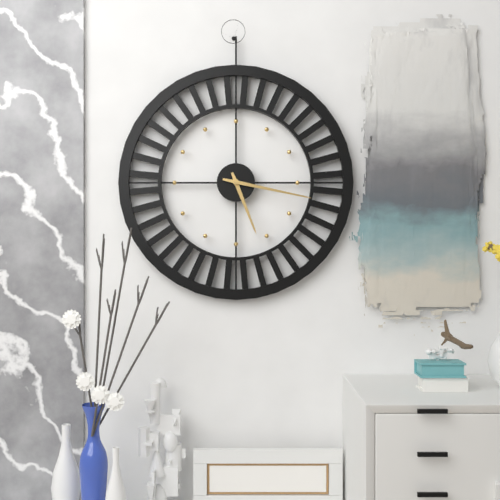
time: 5:17
